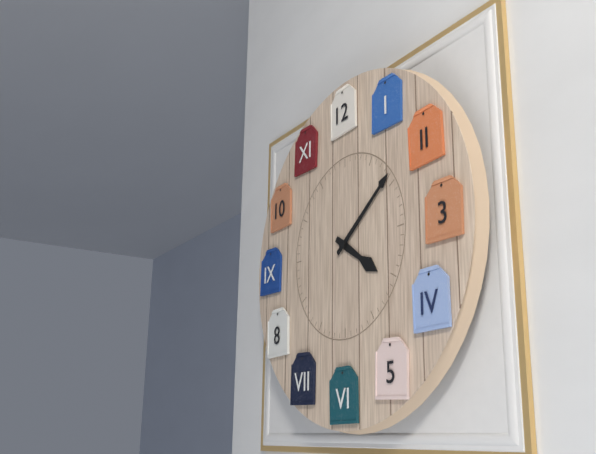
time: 4:09
